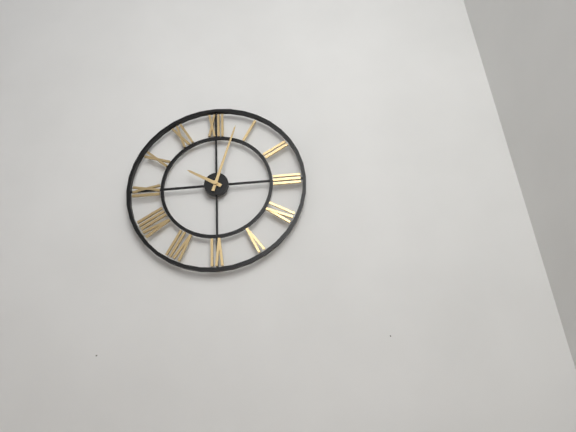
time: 10:03
